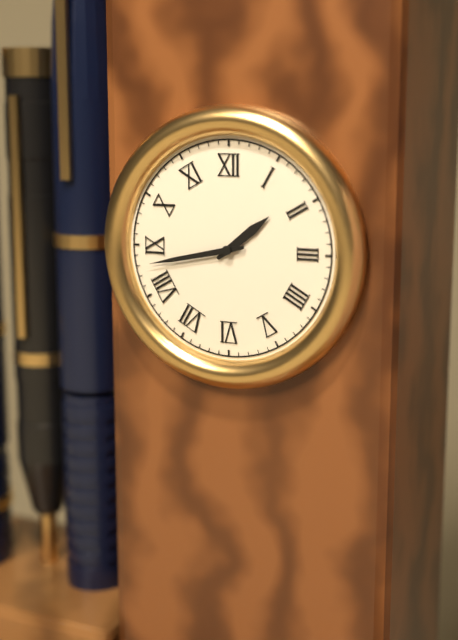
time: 1:43
